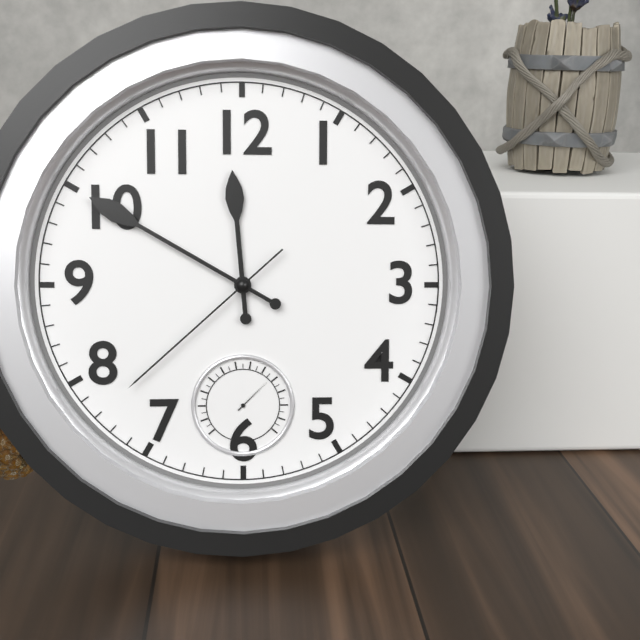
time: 11:50:38
